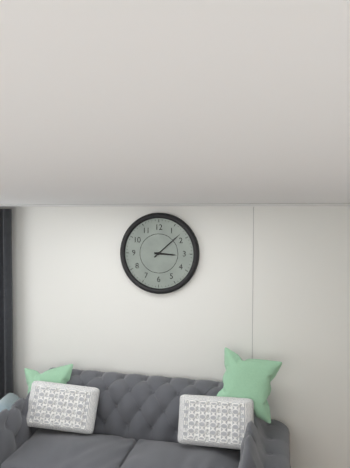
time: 3:08
